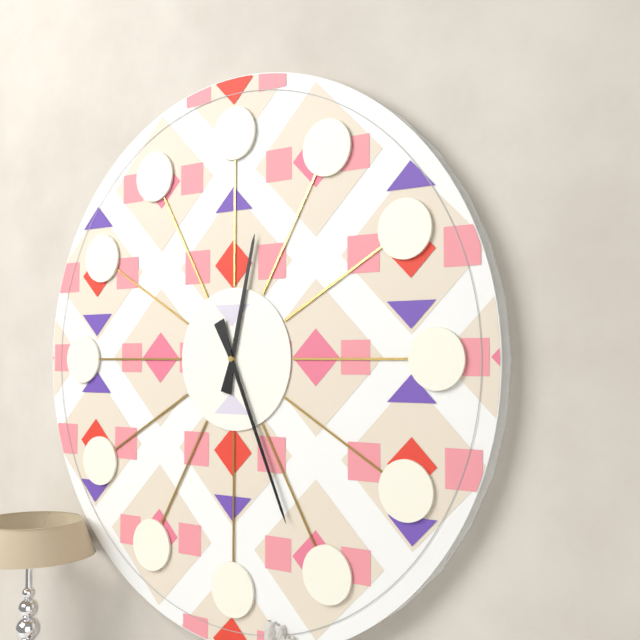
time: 12:26
